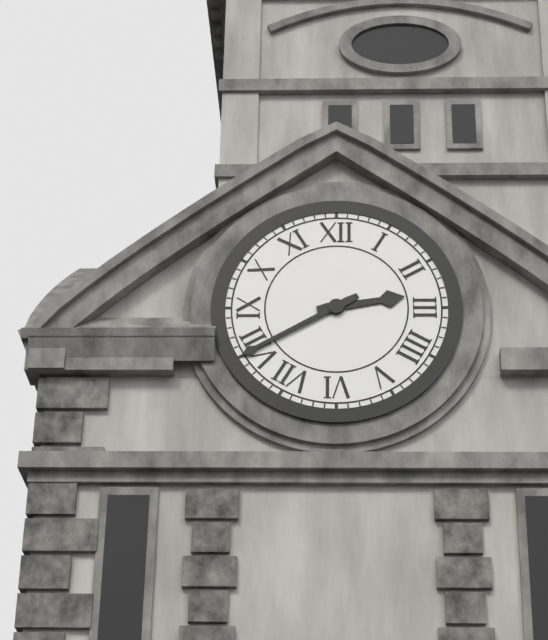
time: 2:40
